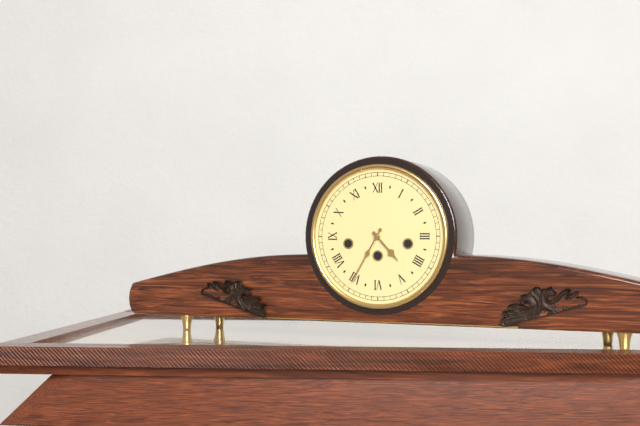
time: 4:35
